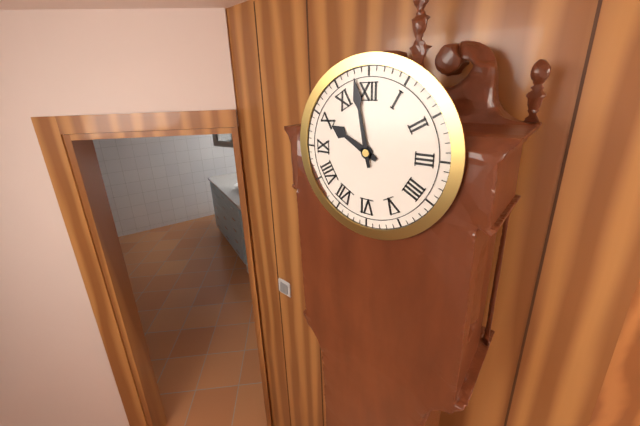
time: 9:58
